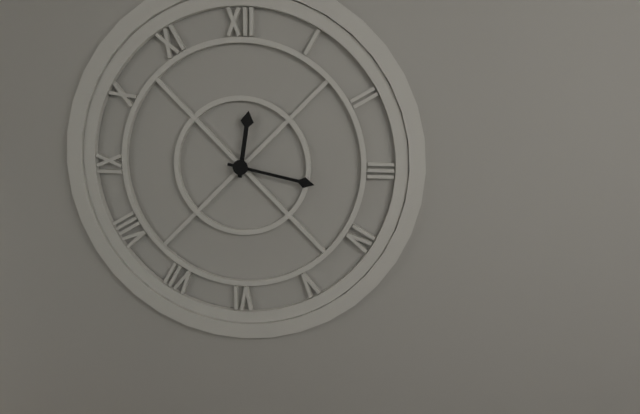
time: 12:17
